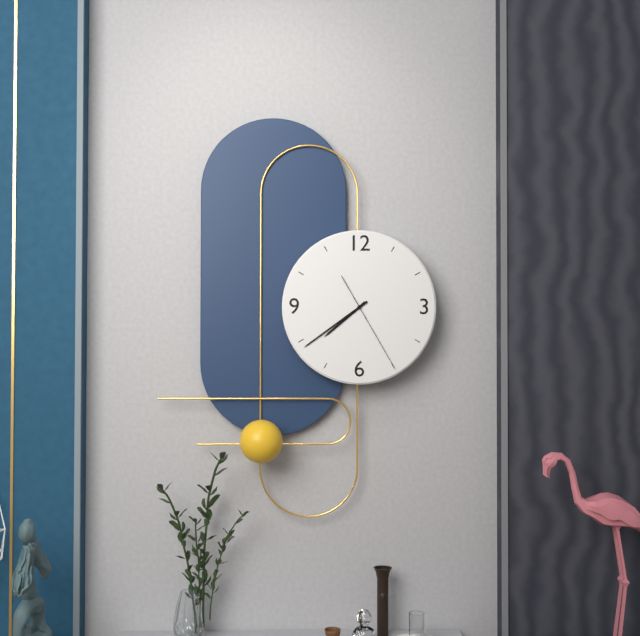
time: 7:39:25
